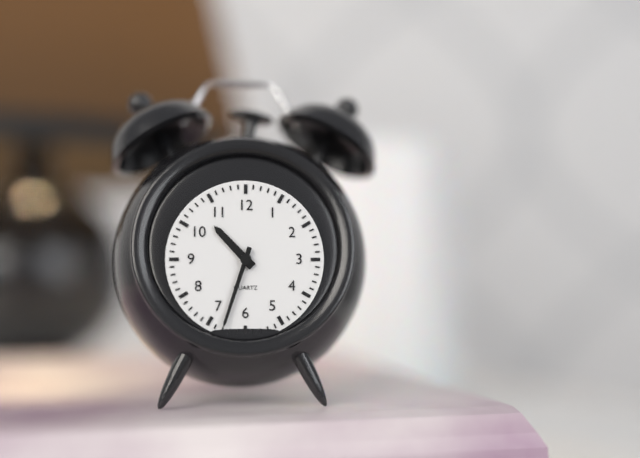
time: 10:33
